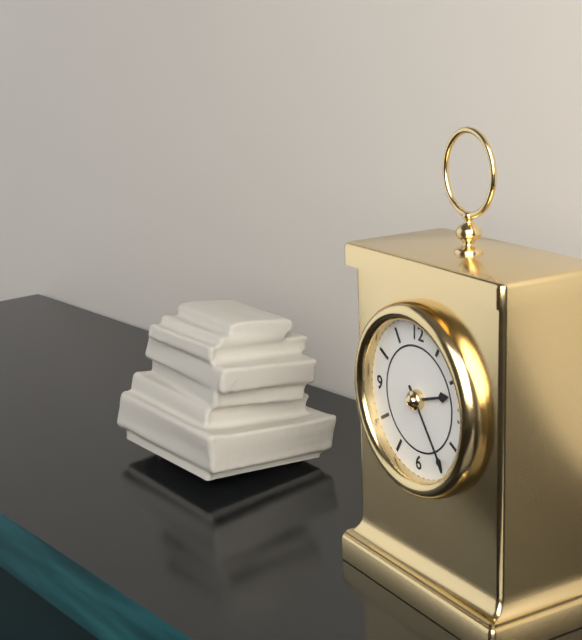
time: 2:24
